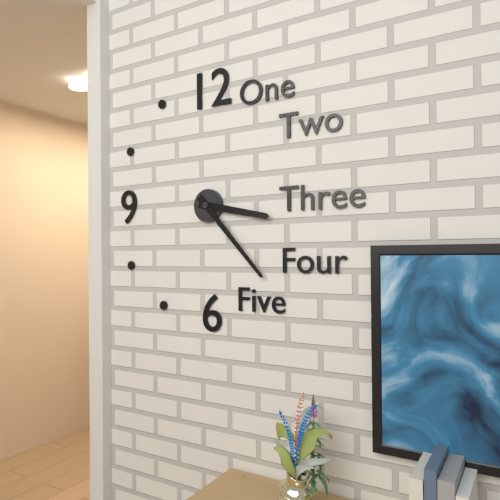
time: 3:23
